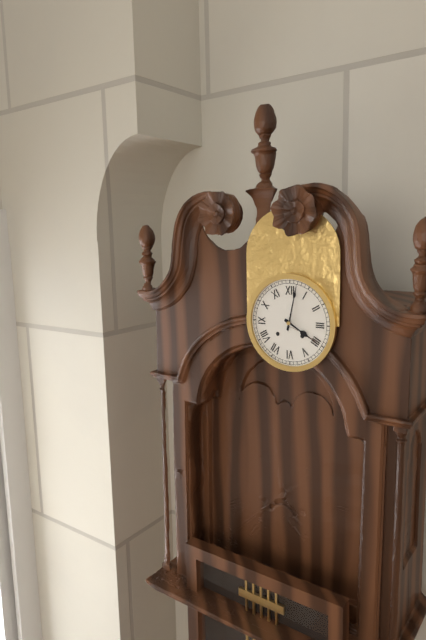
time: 4:02
